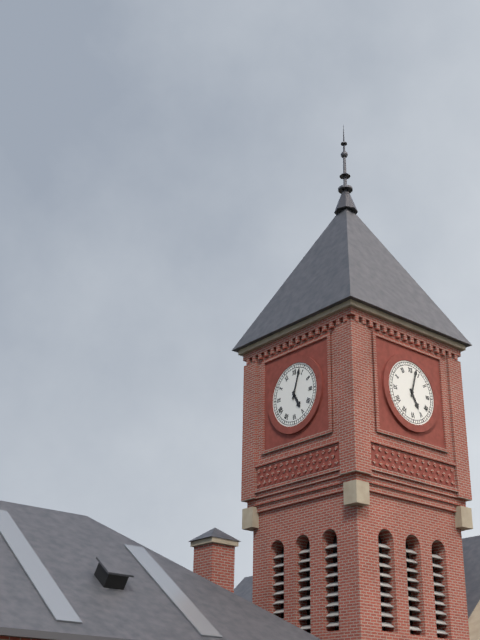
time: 5:03
